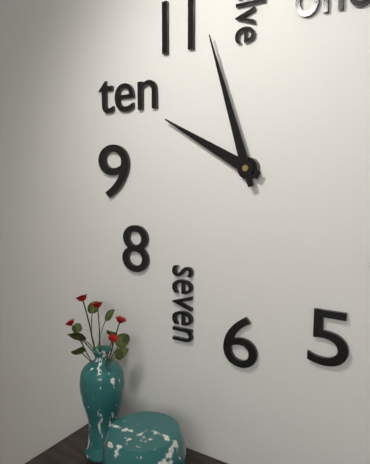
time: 9:57
